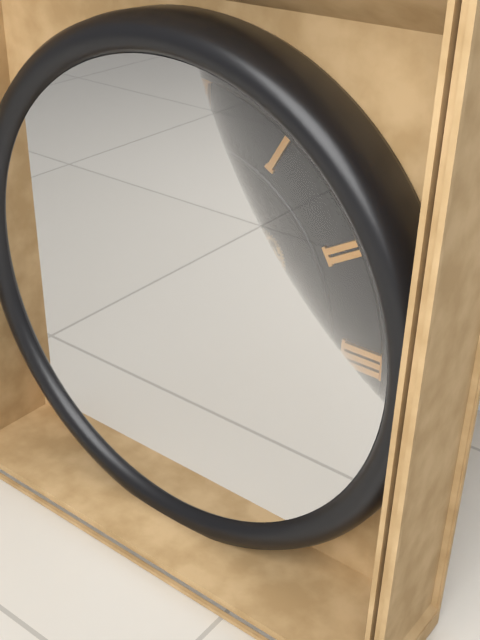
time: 1:33
